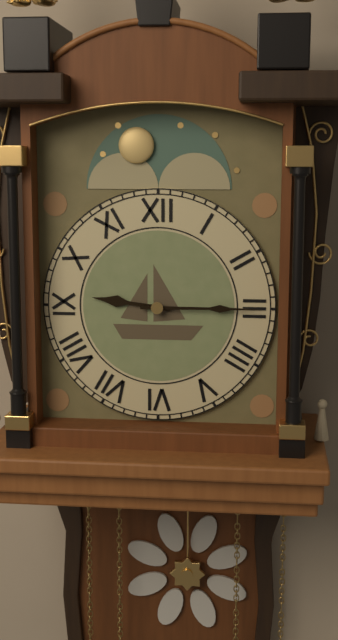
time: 9:15
